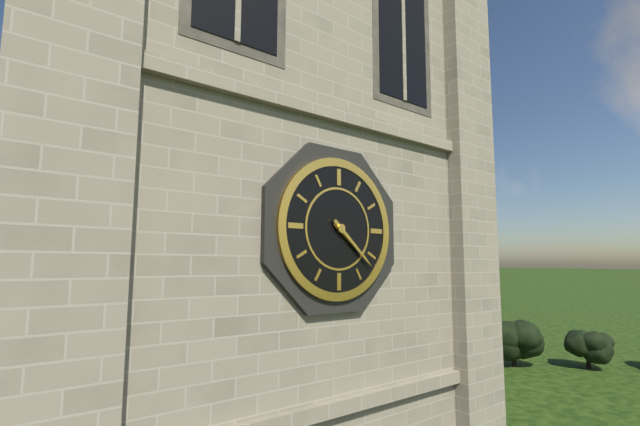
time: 4:22
